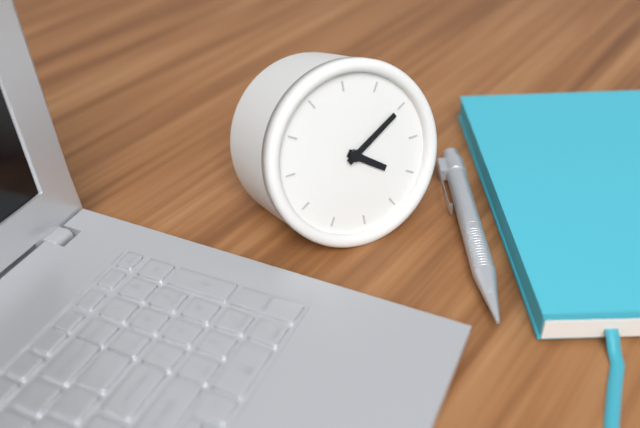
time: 4:10
